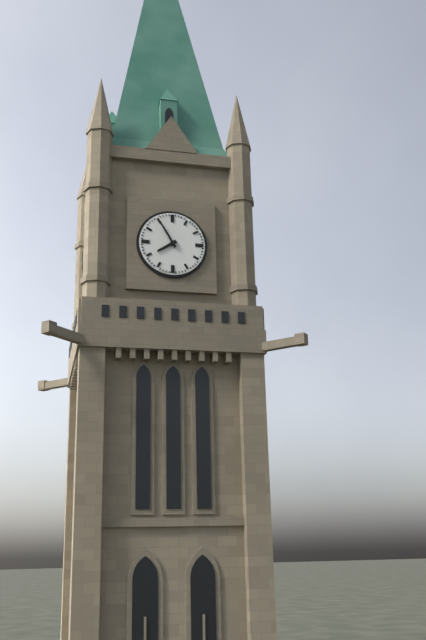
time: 7:55
